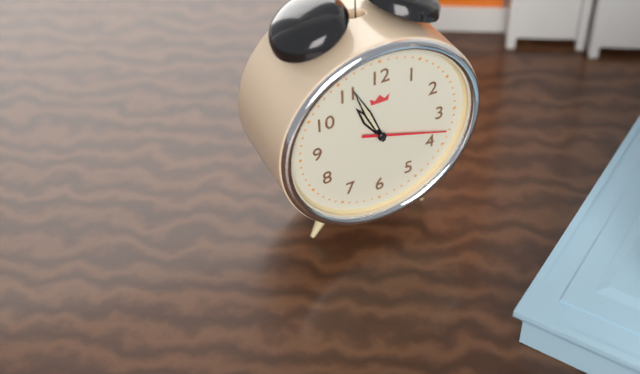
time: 10:56:18
